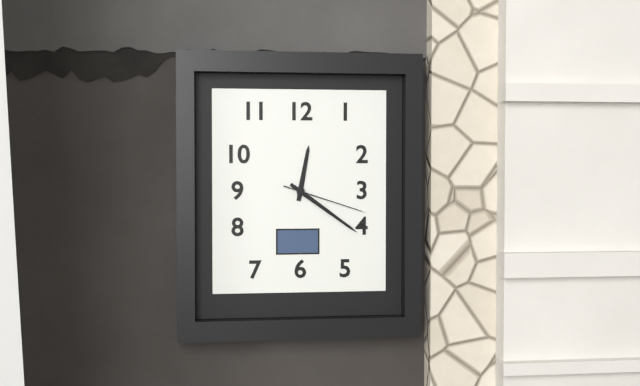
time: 12:21:18
